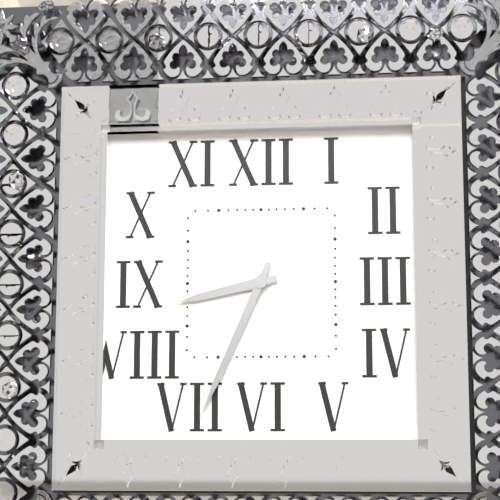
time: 8:34
